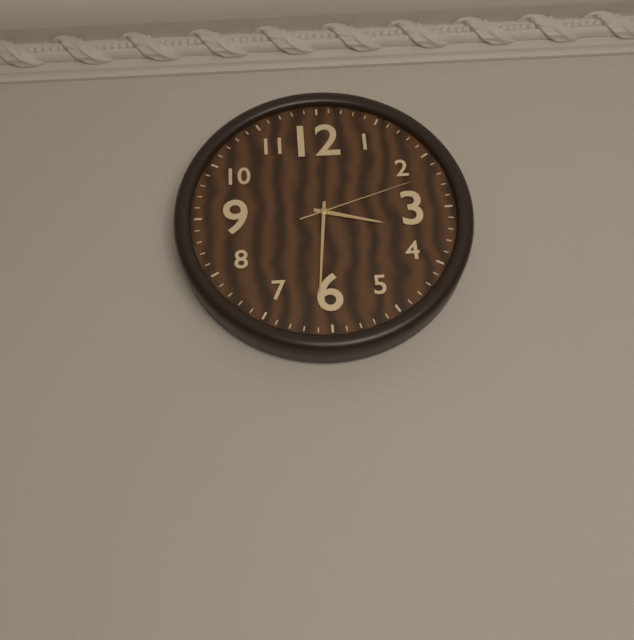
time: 3:31:12
